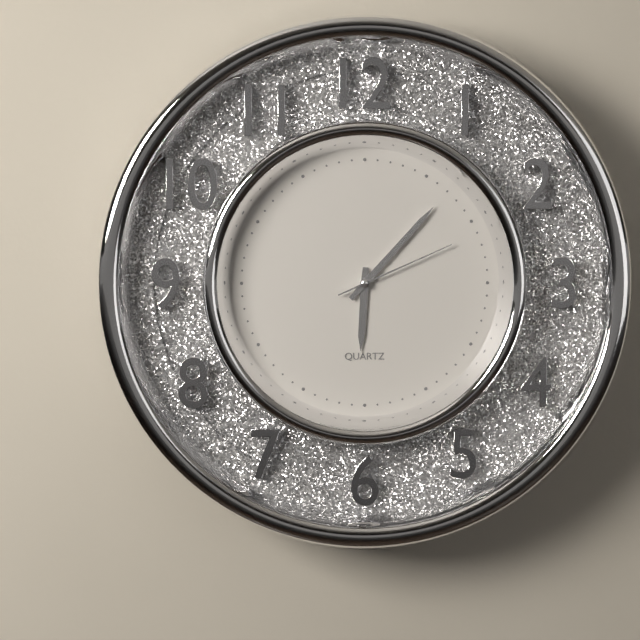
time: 6:07:11
